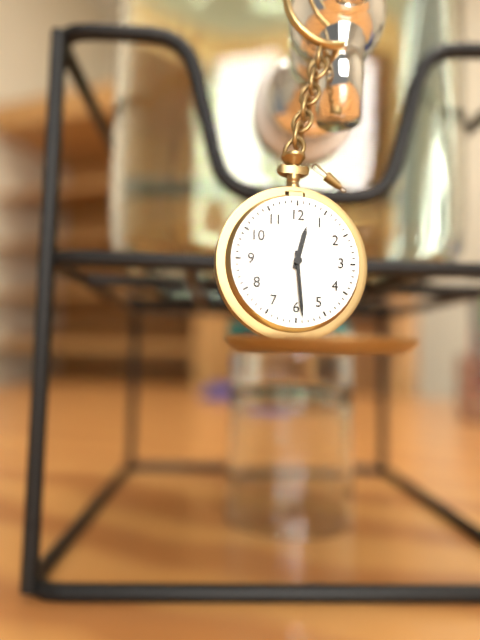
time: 12:29
